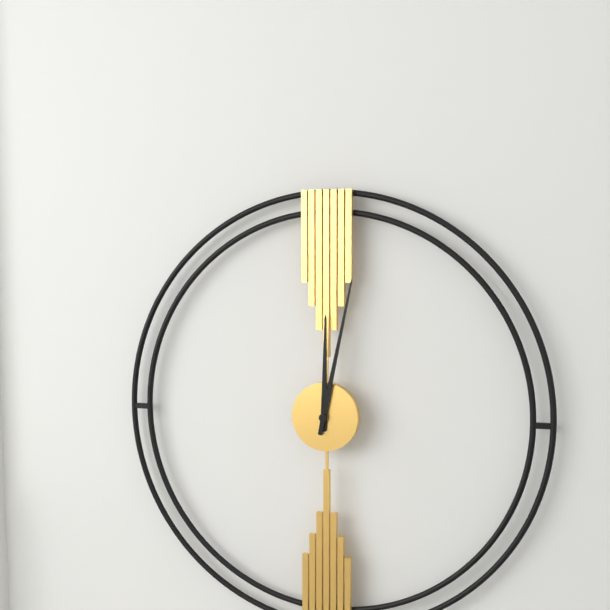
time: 12:02
